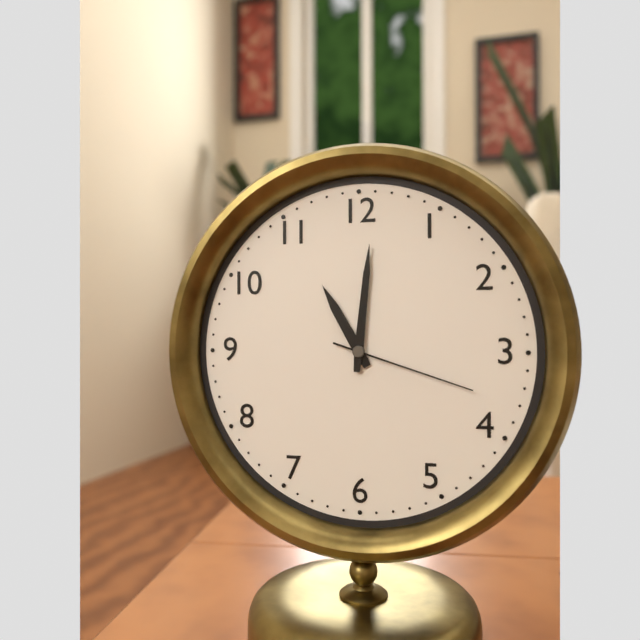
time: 11:01:18
